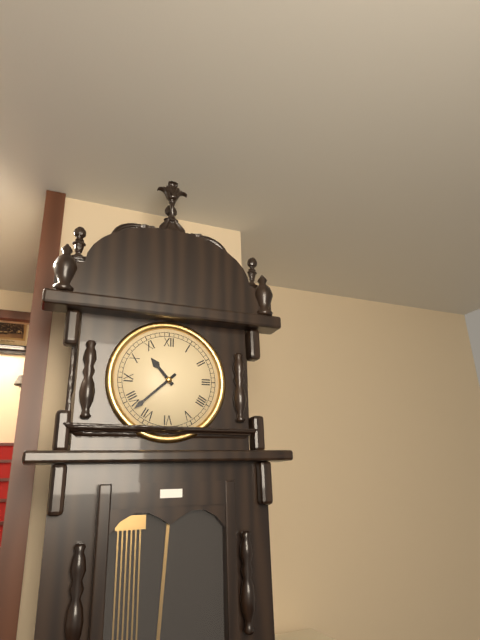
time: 10:38
